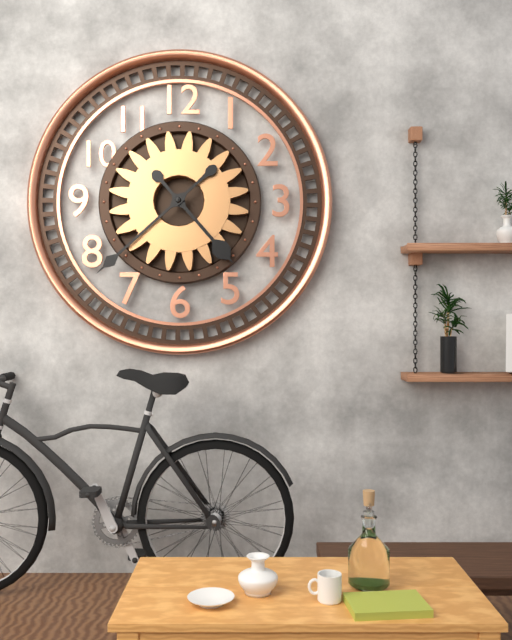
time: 4:38
